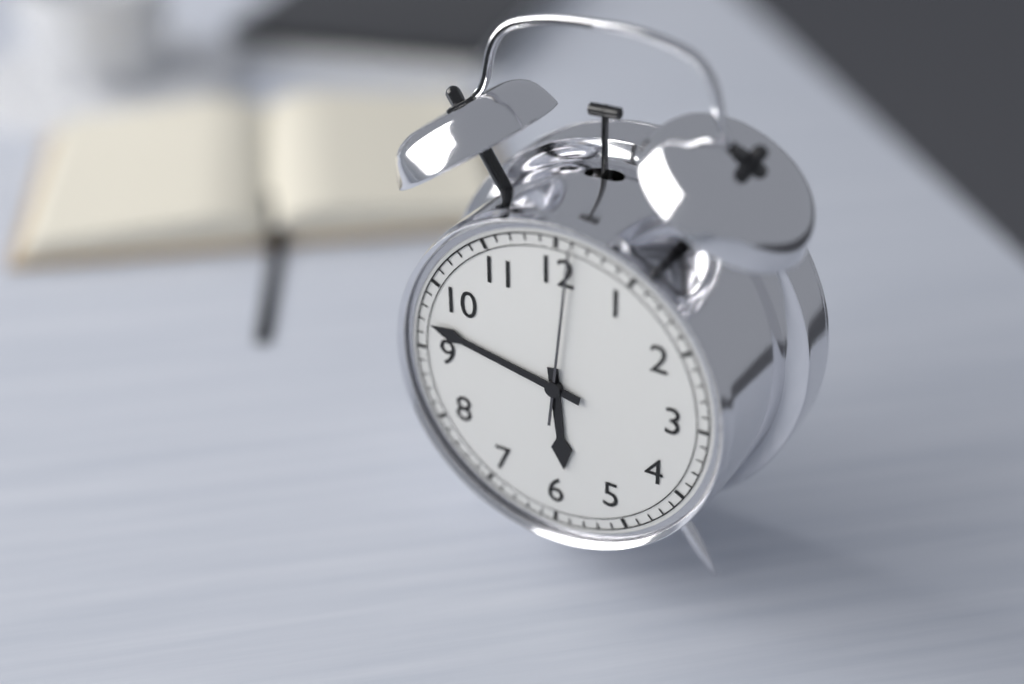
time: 5:47:01
